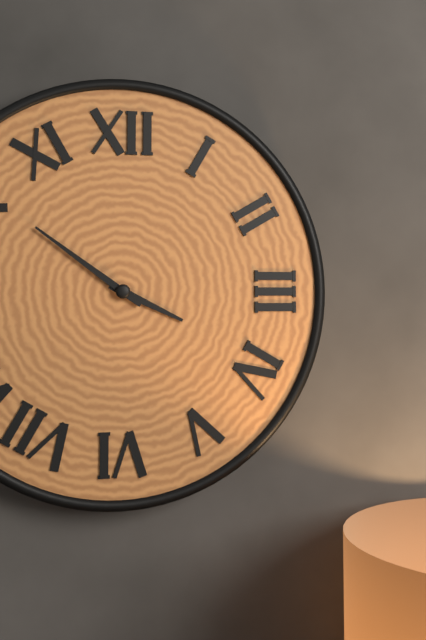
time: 3:51
